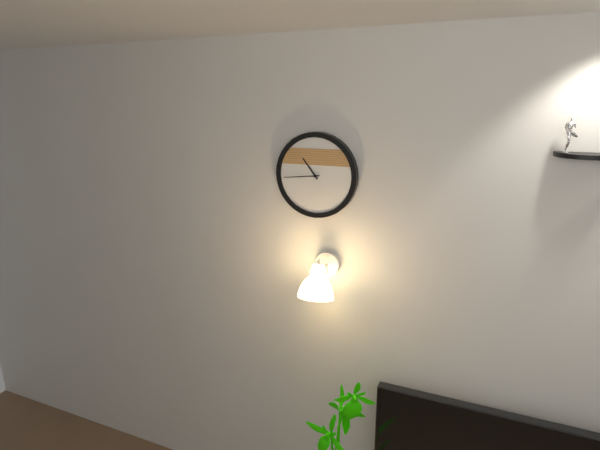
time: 10:44
